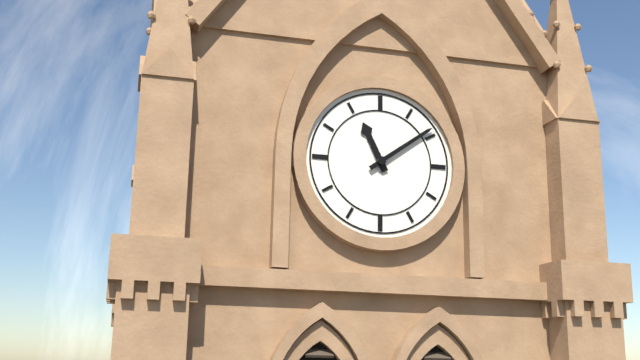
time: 11:09
